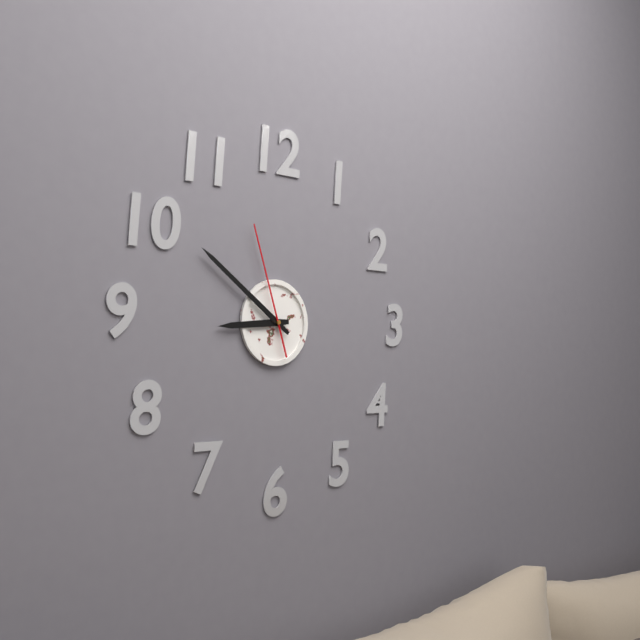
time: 8:51:57
